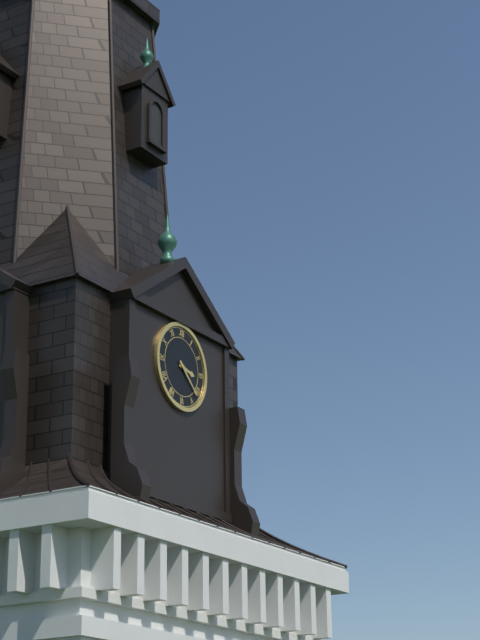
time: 3:22
